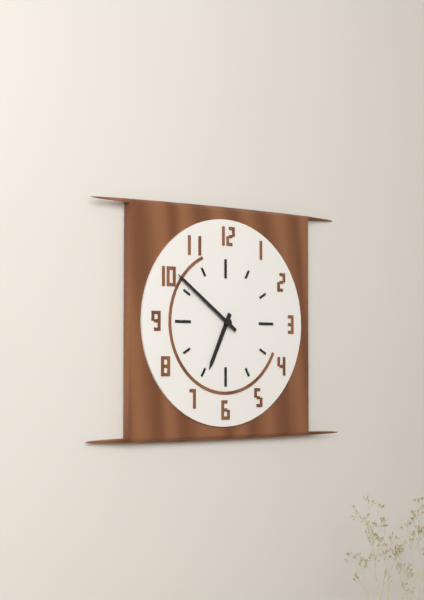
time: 6:51
